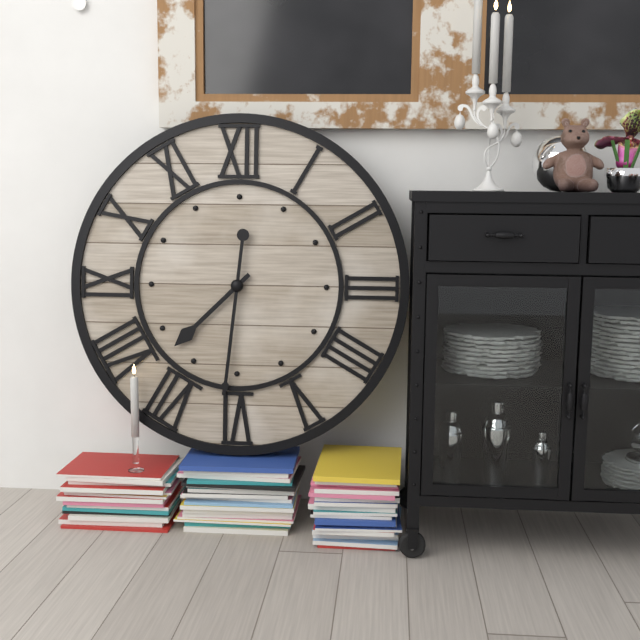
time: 7:31
